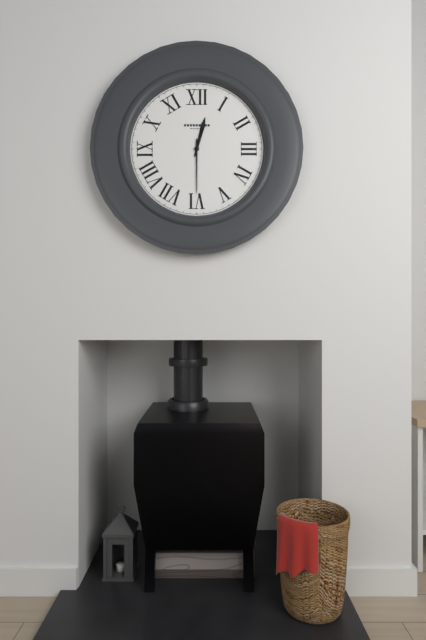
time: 12:30
